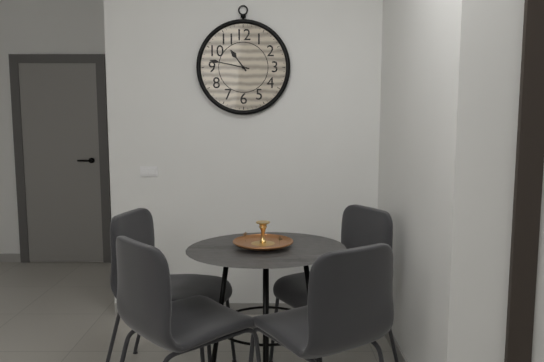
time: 10:47
